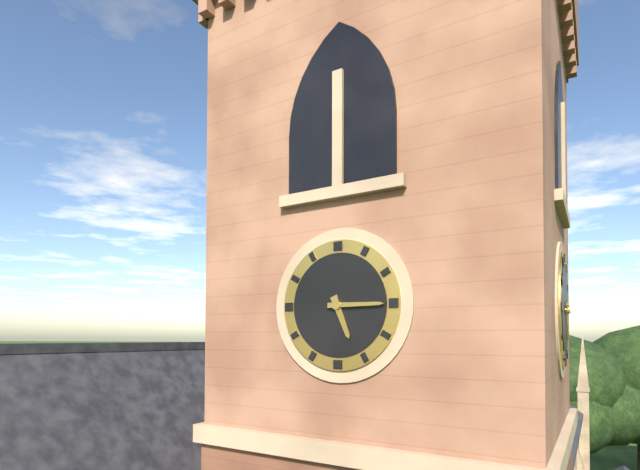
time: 5:15
